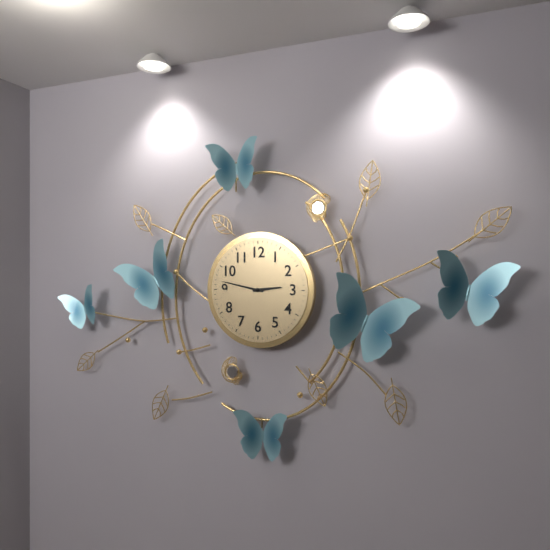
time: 2:47
